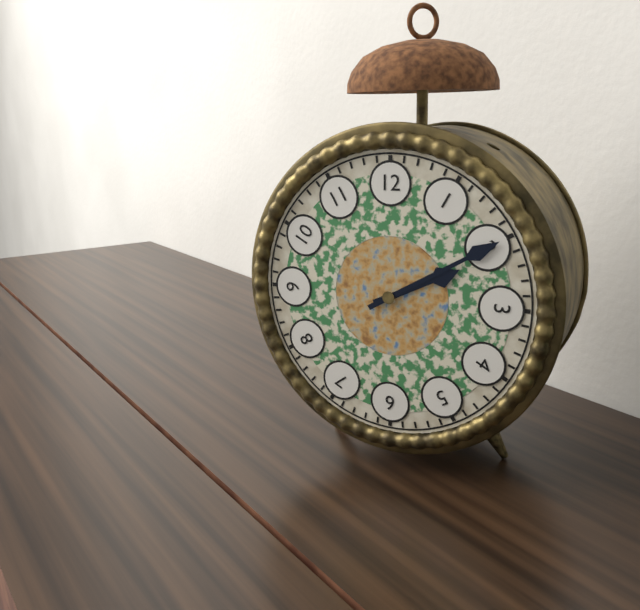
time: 2:10
